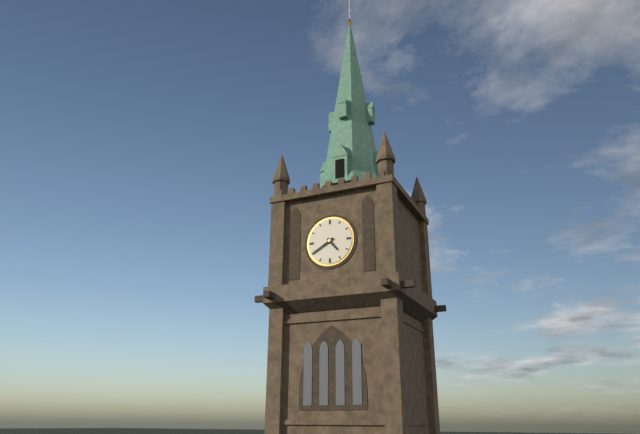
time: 4:40
